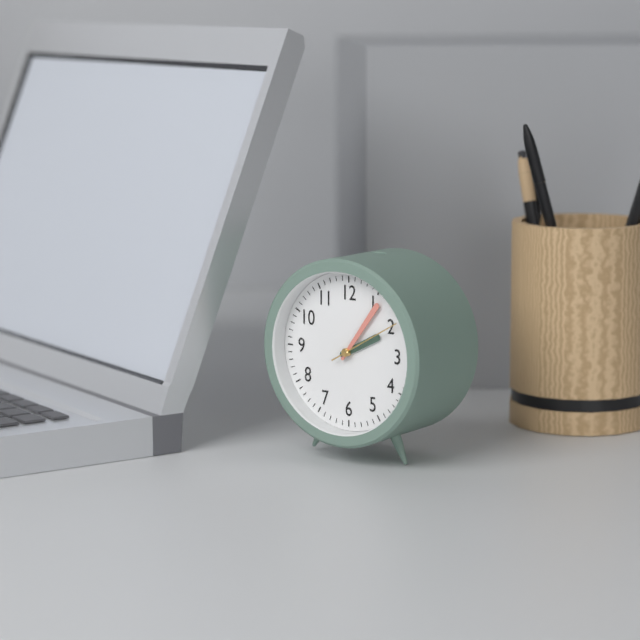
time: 2:06:10
